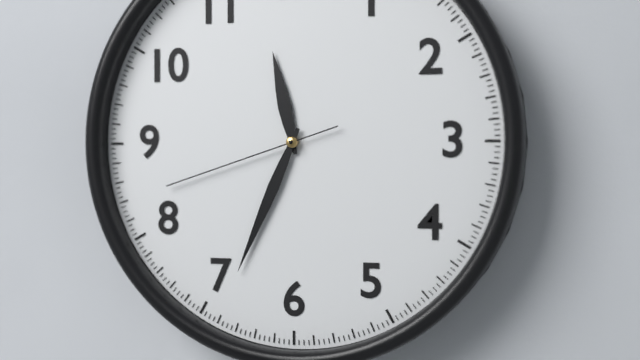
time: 11:34:42
